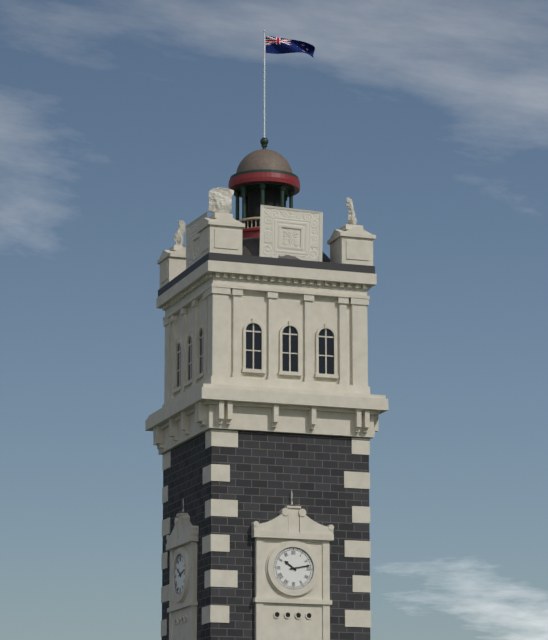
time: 10:13
